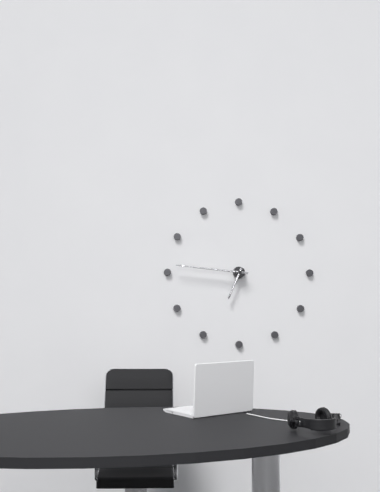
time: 6:46
